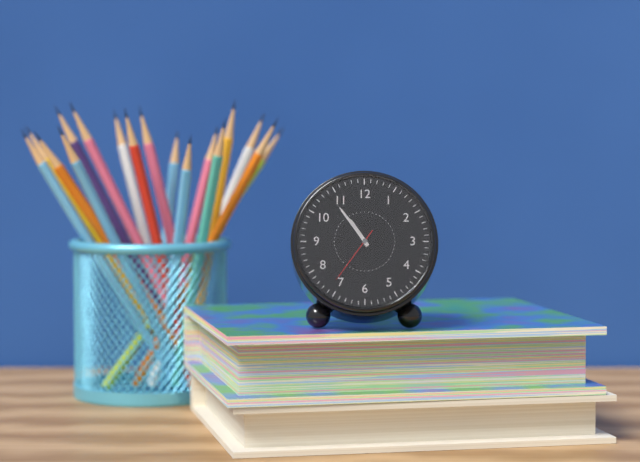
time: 10:54:36
